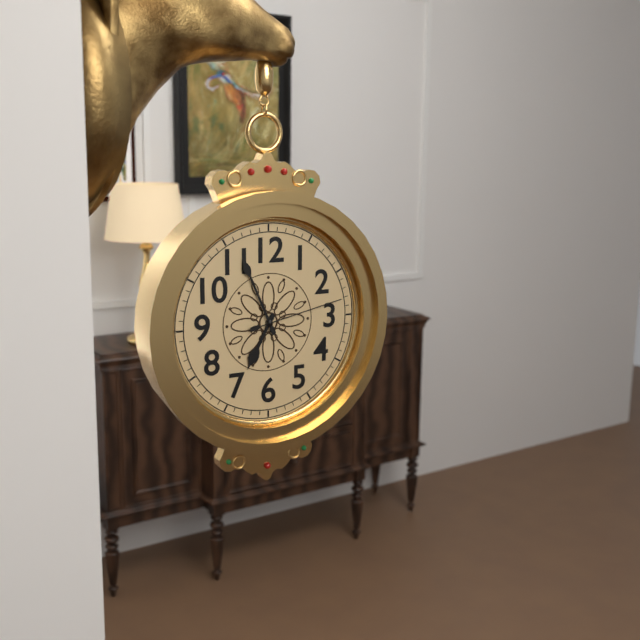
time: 6:56:13
